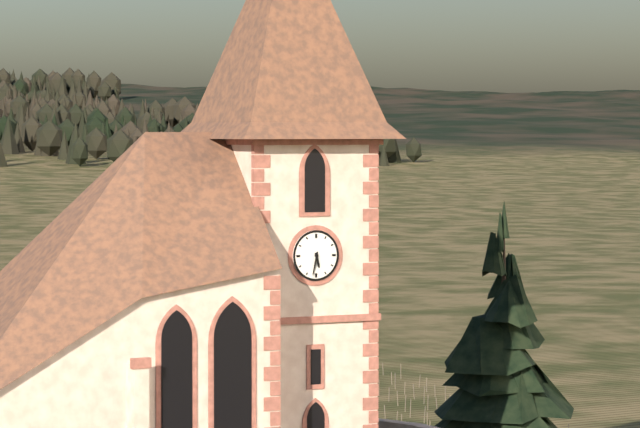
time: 5:32
